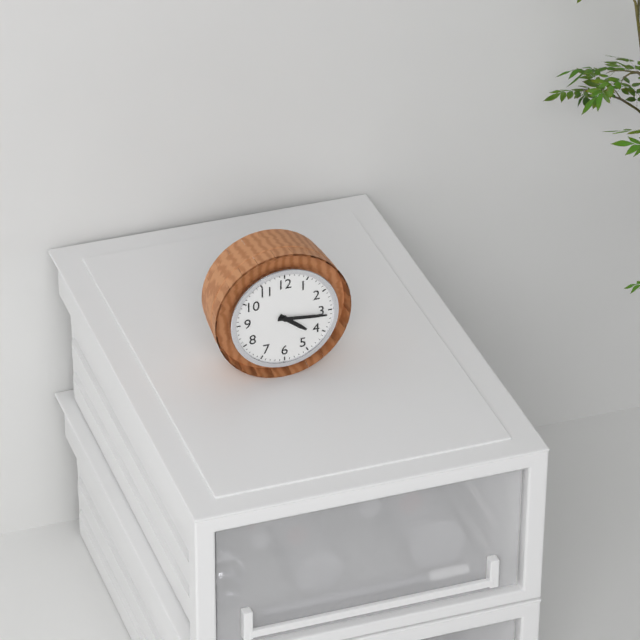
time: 4:16
